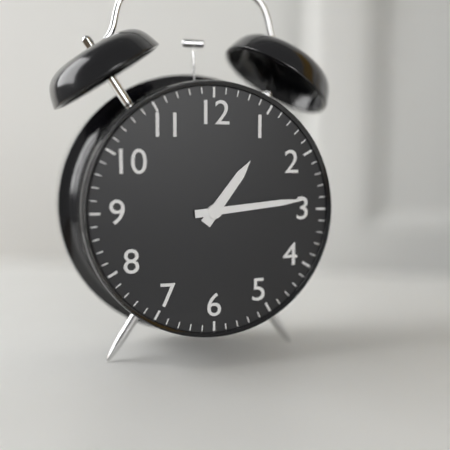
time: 1:14
